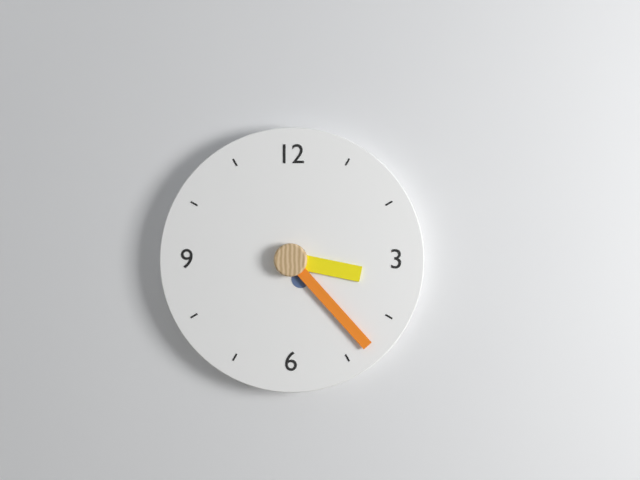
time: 3:23
